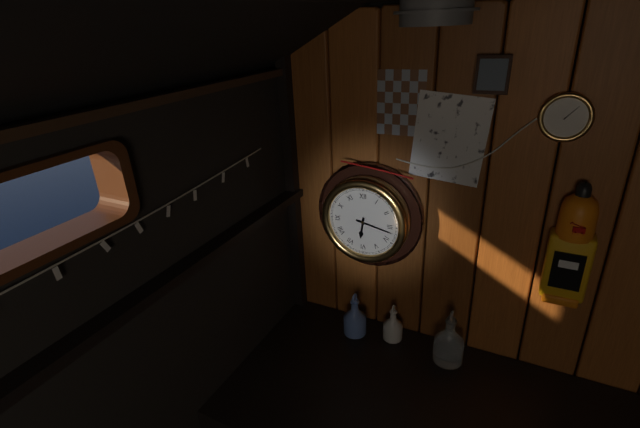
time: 6:17
